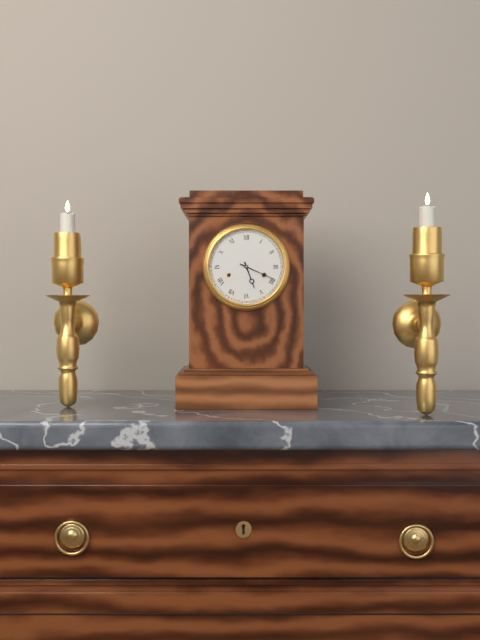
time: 5:19
